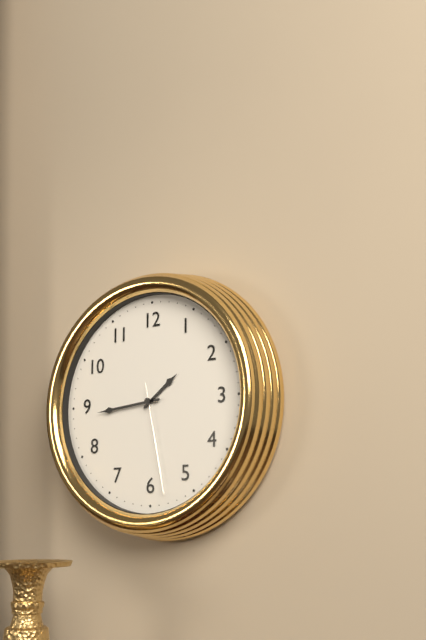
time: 1:44:28
